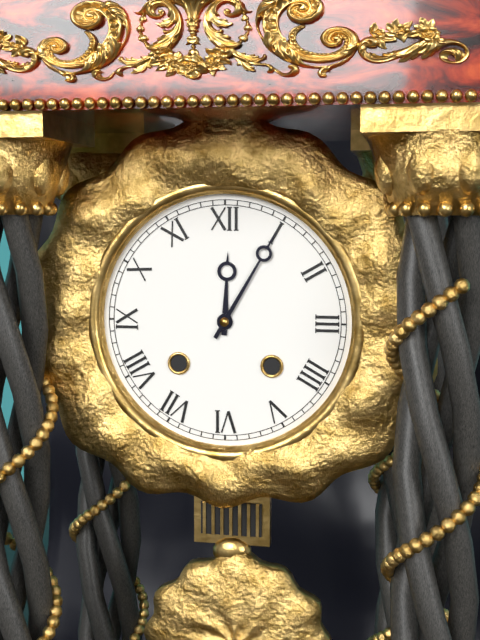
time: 12:05
